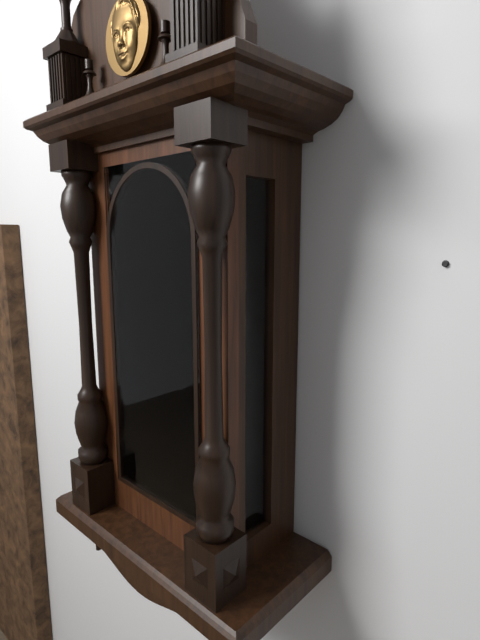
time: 3:26
